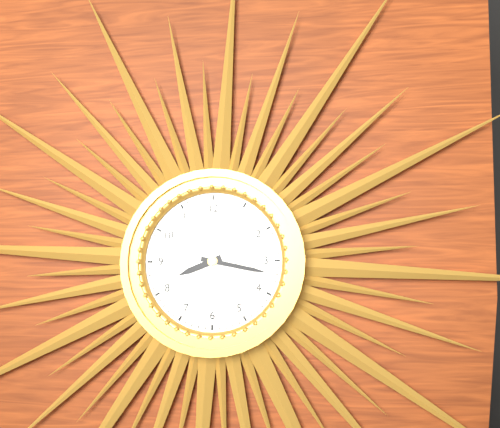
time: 8:17
